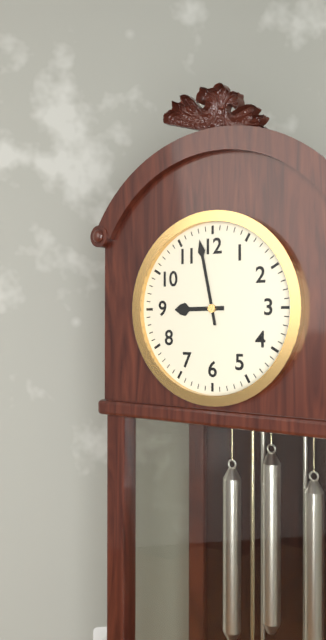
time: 8:58
